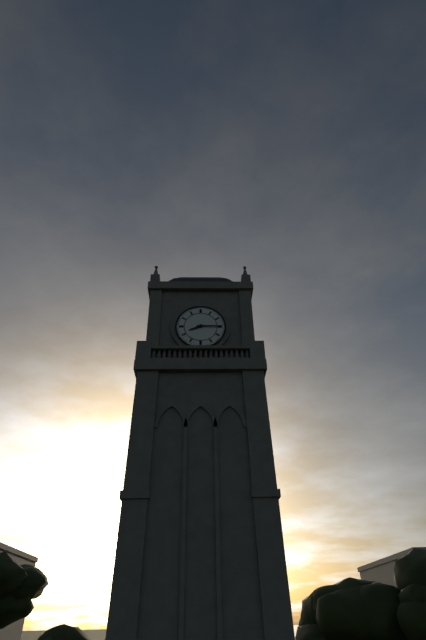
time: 8:15
